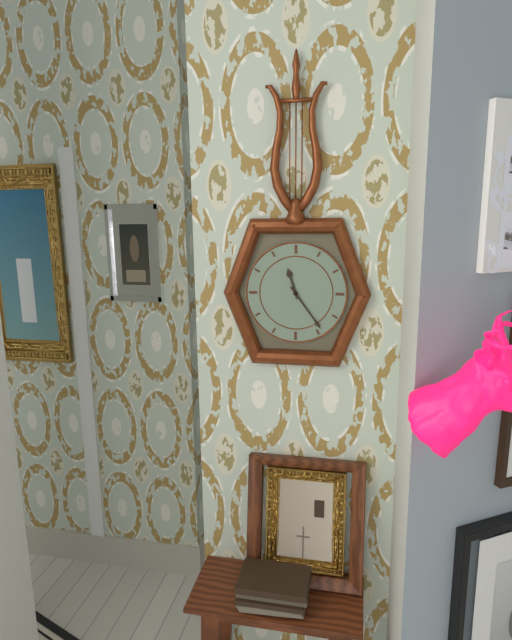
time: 11:24
